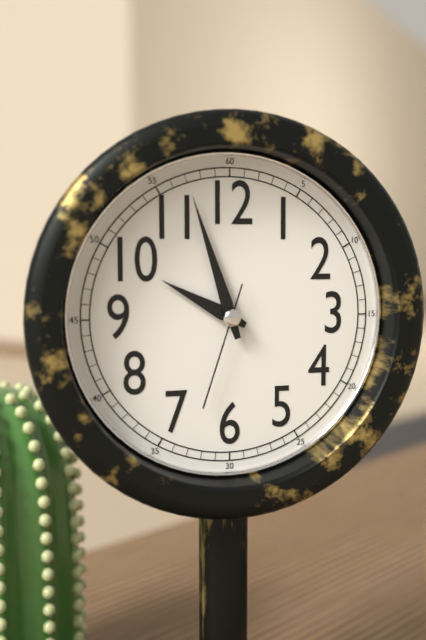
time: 9:57:33
